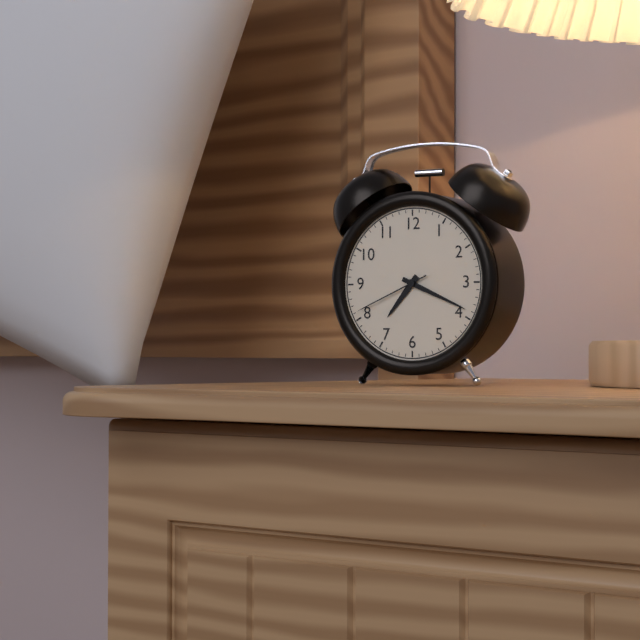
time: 7:19:41
